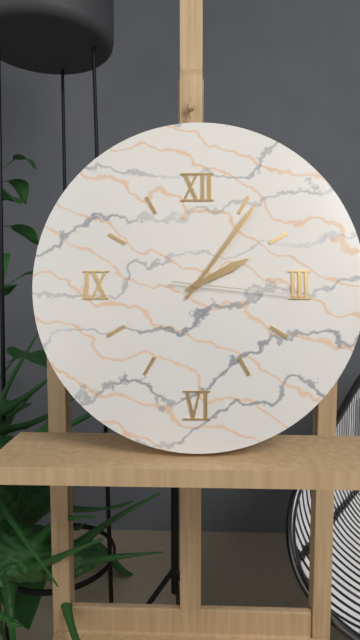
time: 2:06:16
